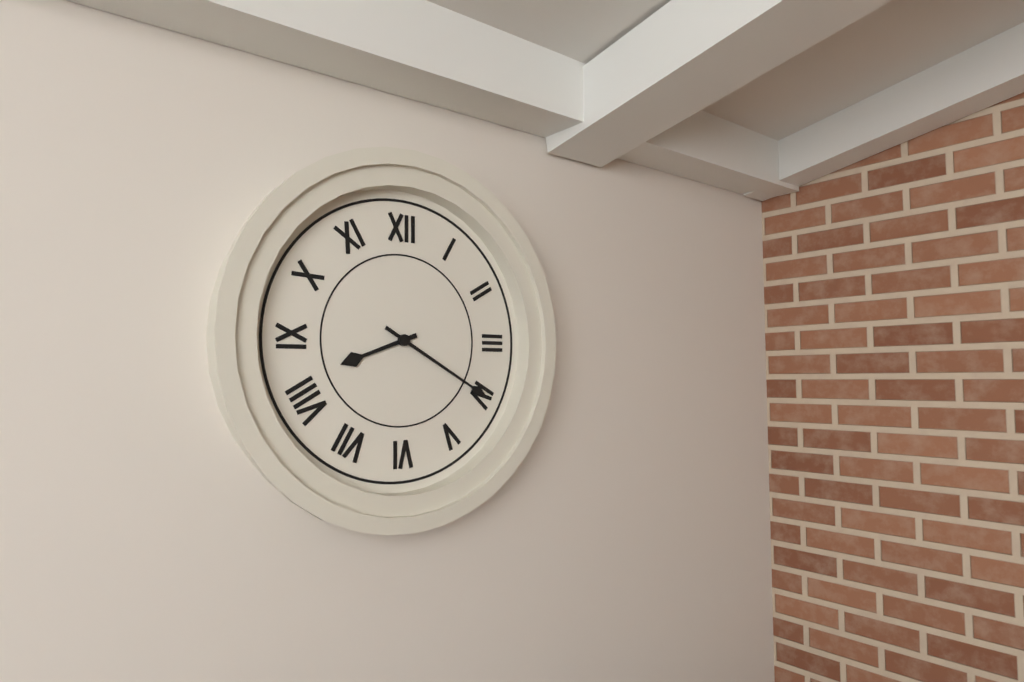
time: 8:20
